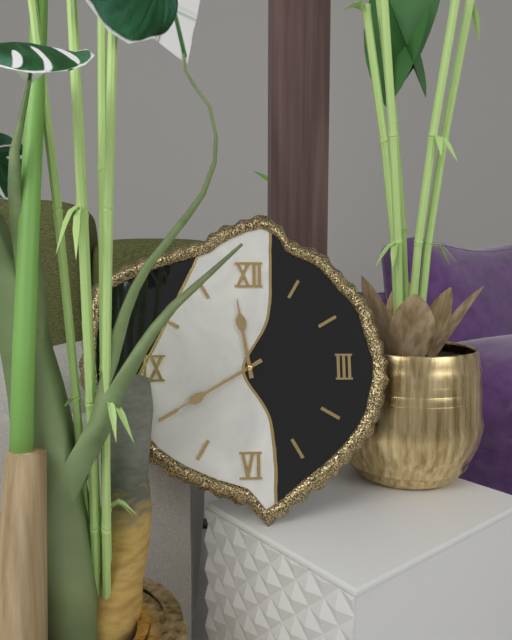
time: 11:40
